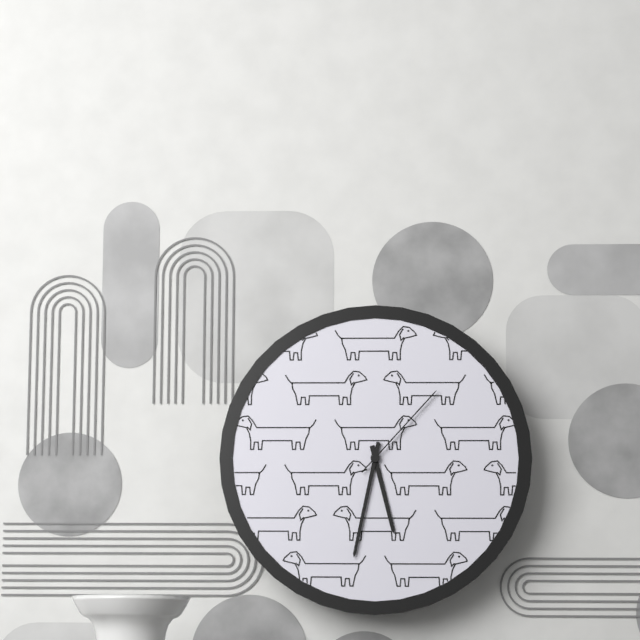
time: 5:32:07
